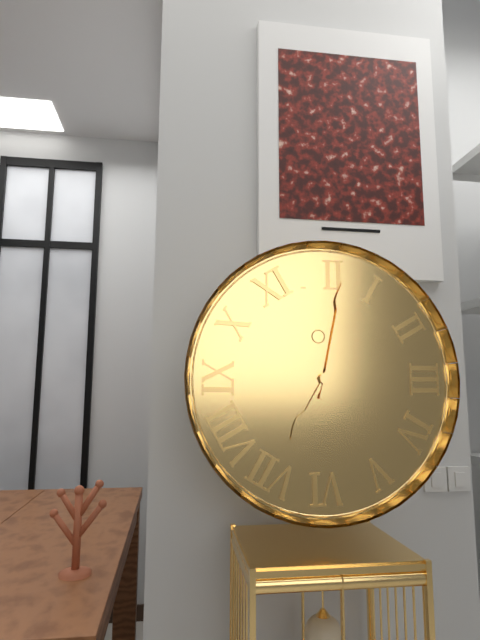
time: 7:02
